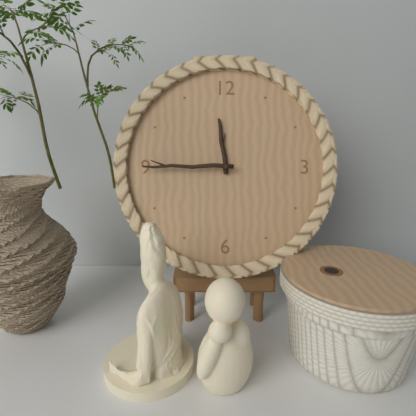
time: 11:45
